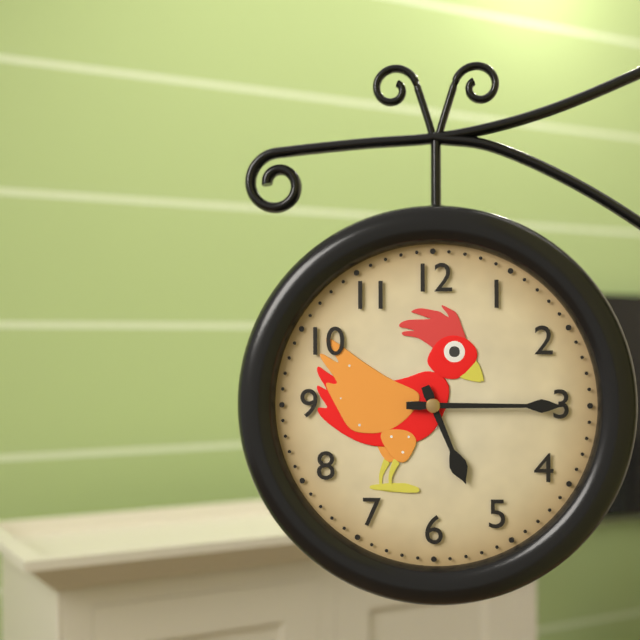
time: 5:15
